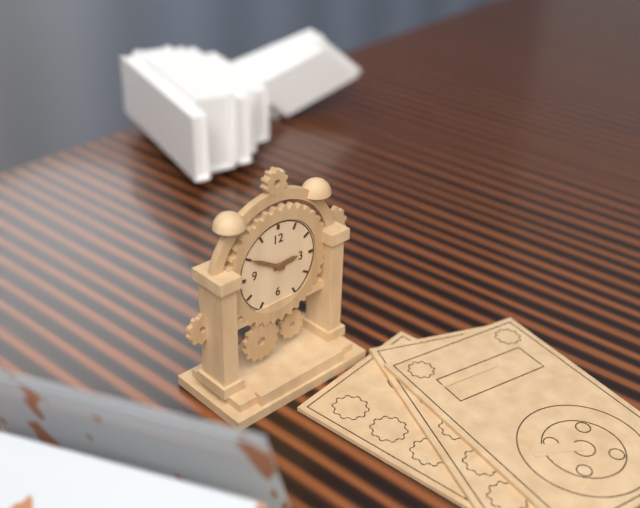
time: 2:50
